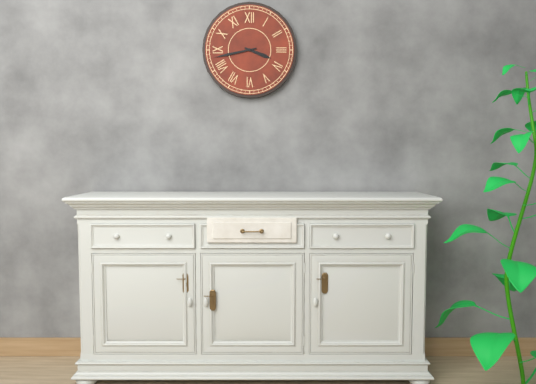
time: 3:43
